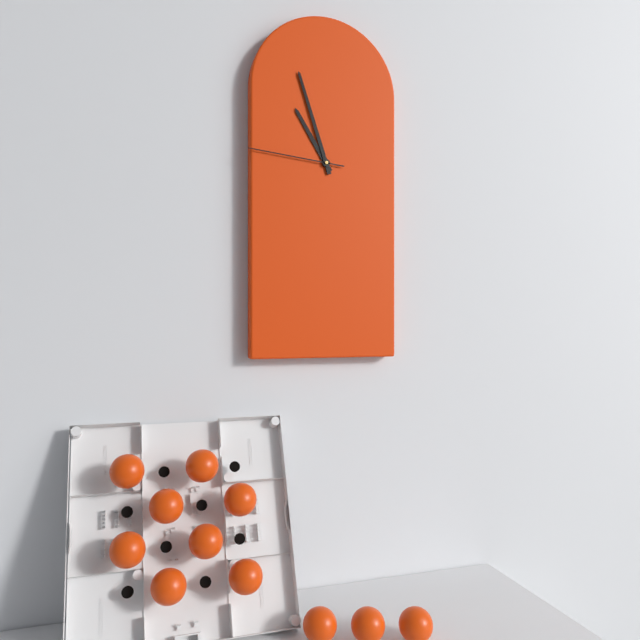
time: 10:57:46
